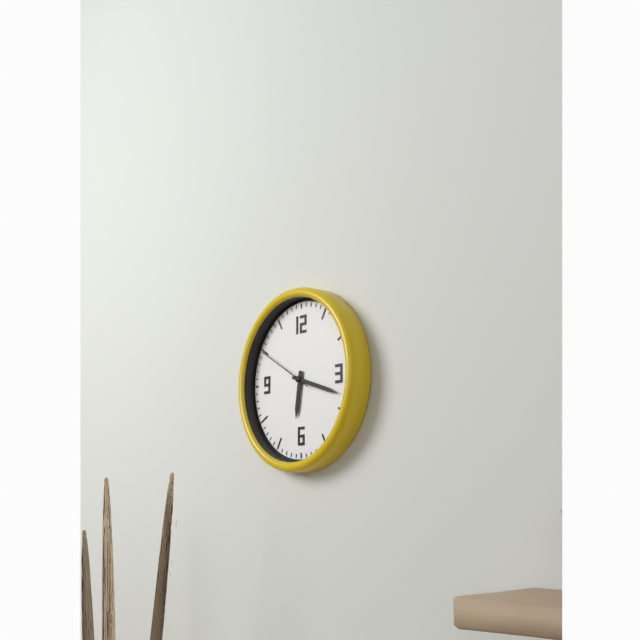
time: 6:18:50
